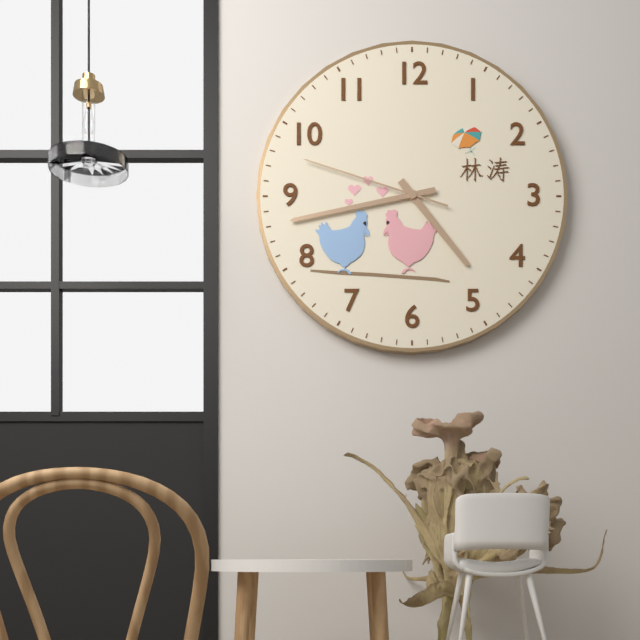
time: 4:43:48
